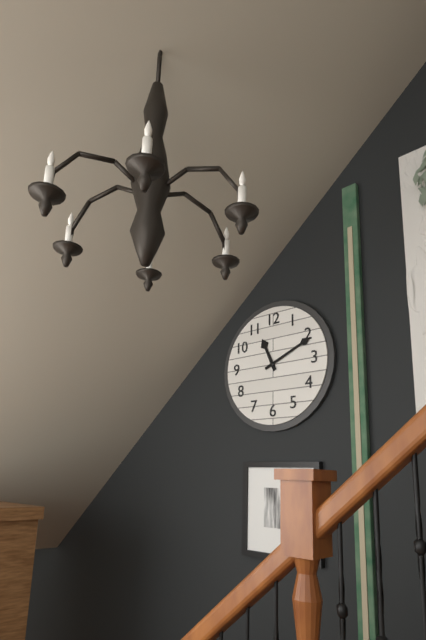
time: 11:11
